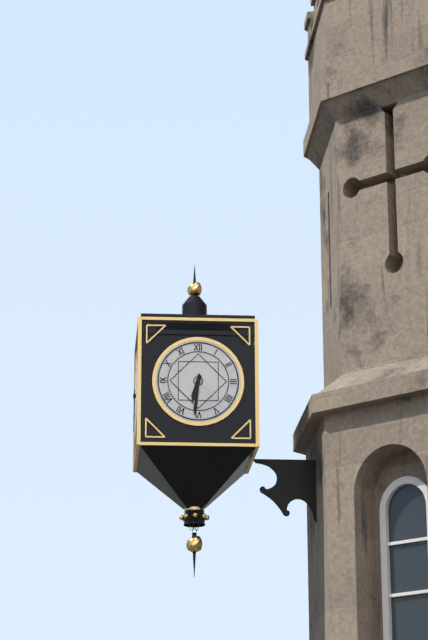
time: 6:31
